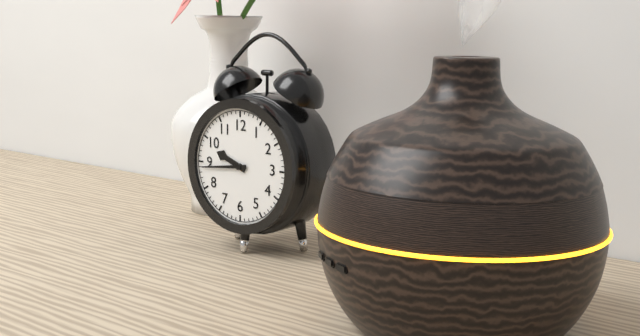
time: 9:44
